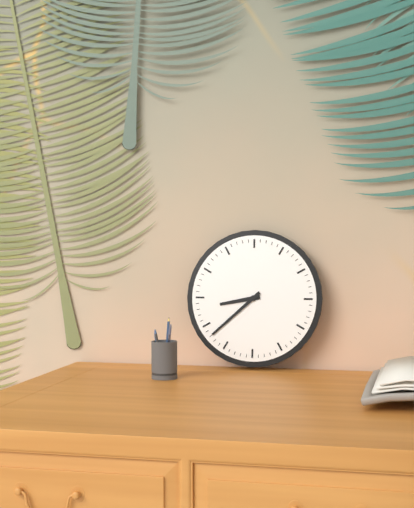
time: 8:38
